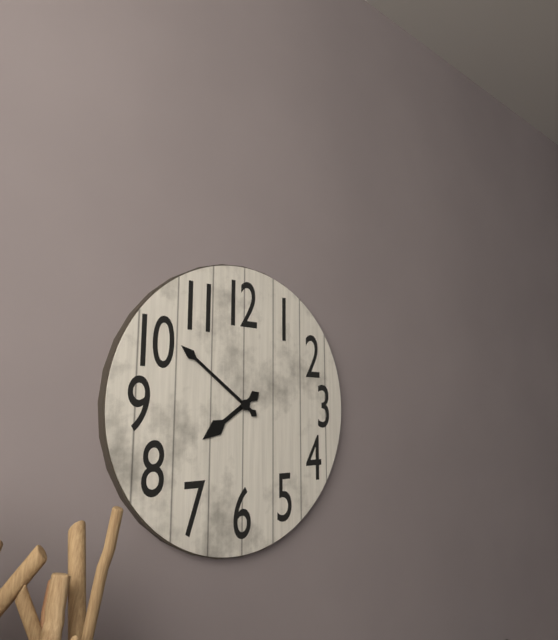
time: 7:51
